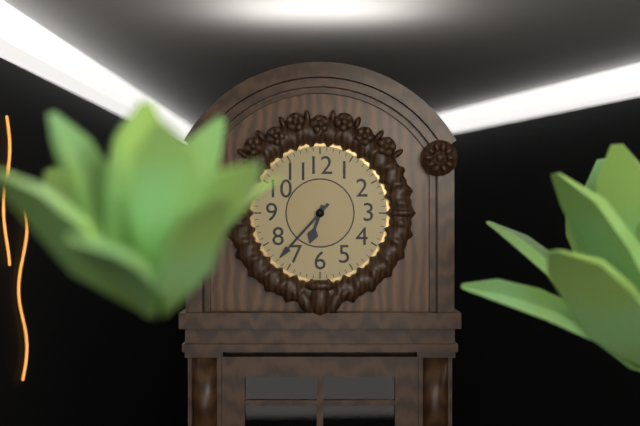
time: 6:37
